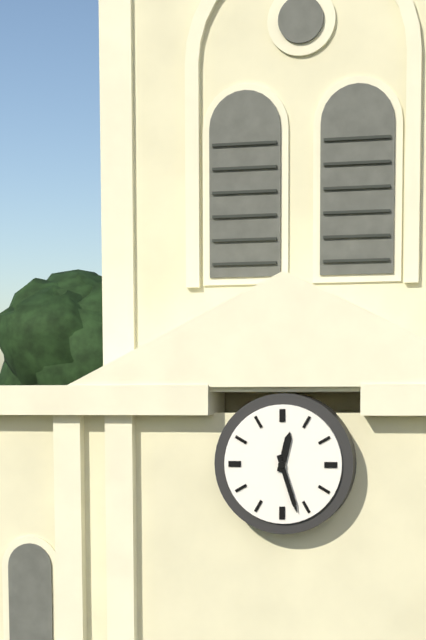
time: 12:27
